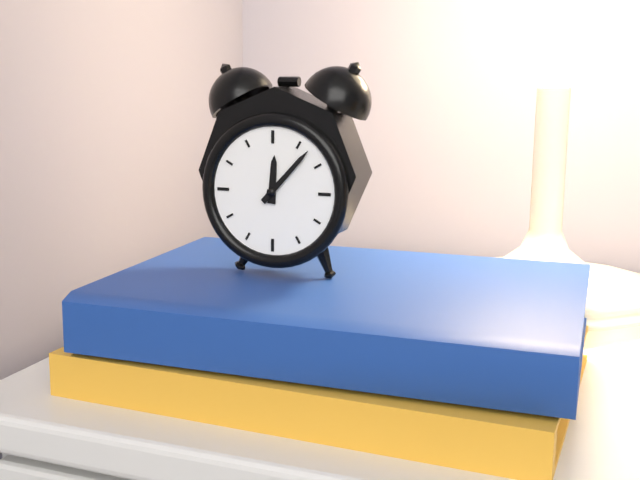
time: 12:07
